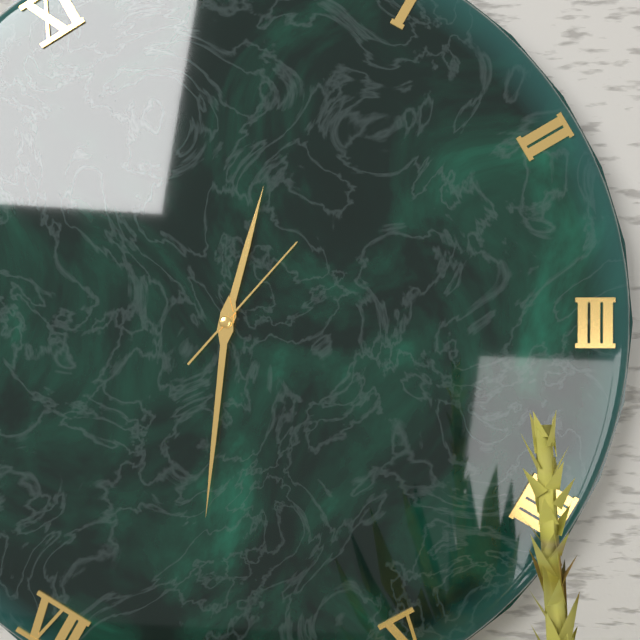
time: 12:31:07
